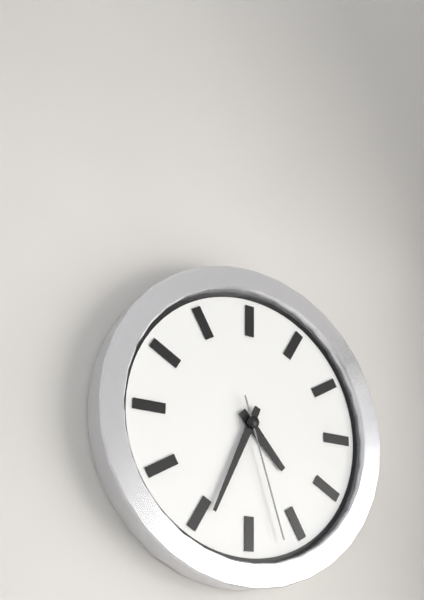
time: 4:34:27
